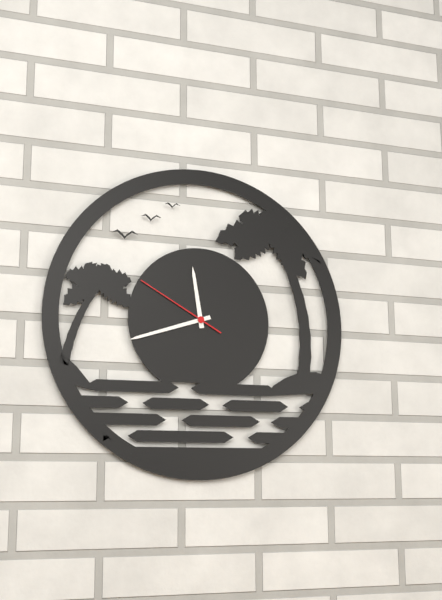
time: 11:42:50
